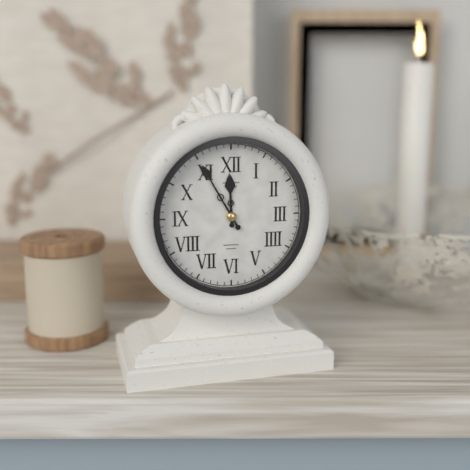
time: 11:55
